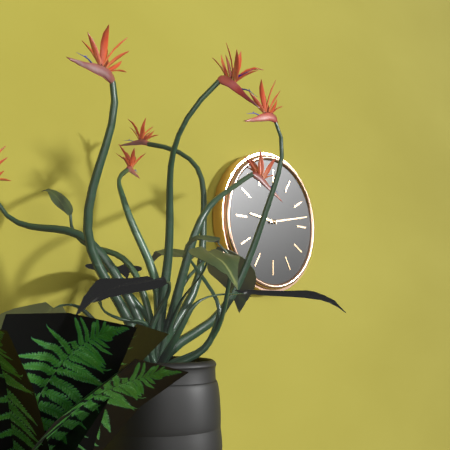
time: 9:13
